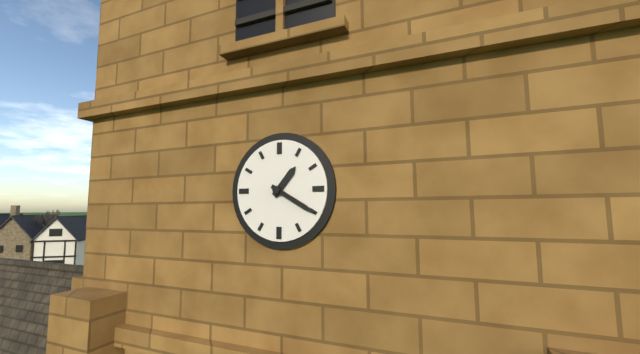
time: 1:20
